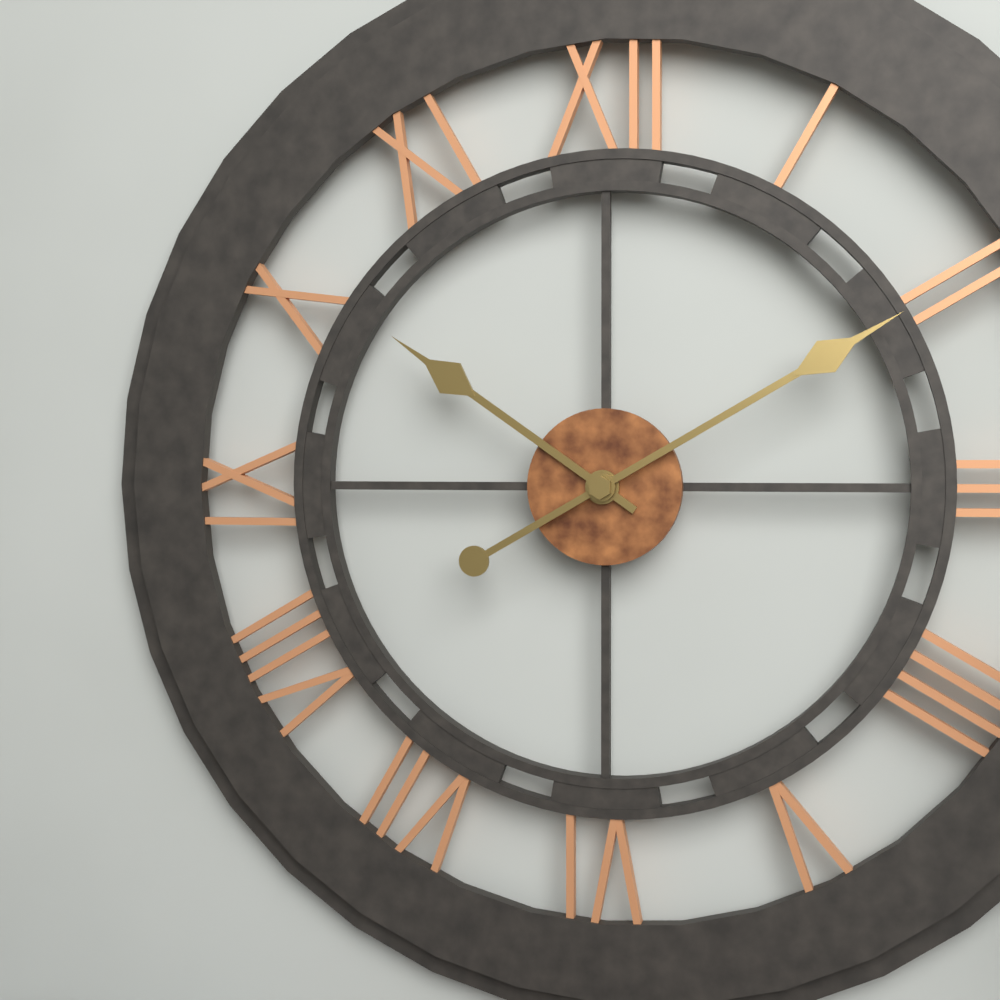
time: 10:10
